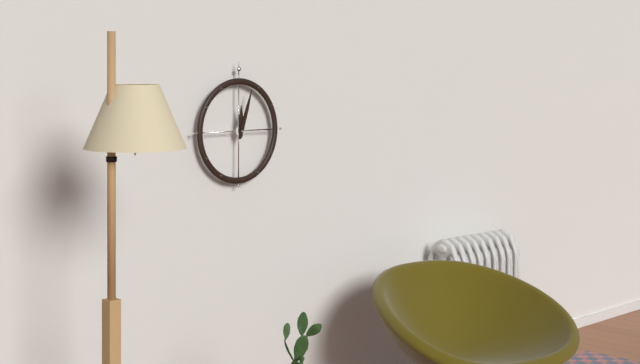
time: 12:03
